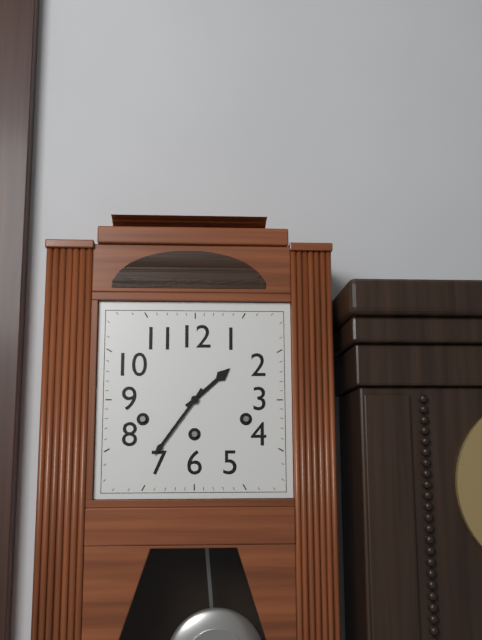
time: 1:36
